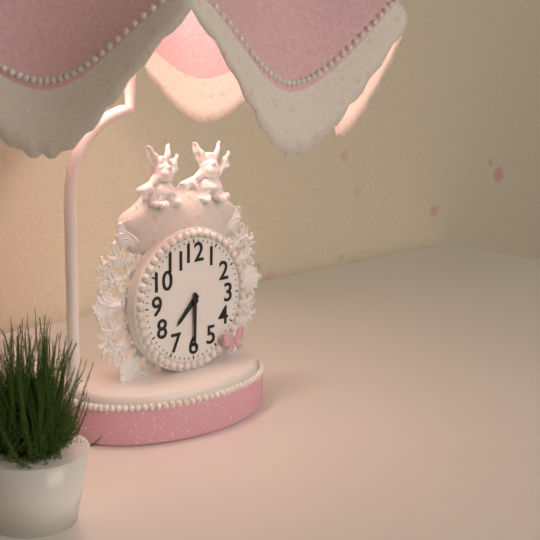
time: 7:30
